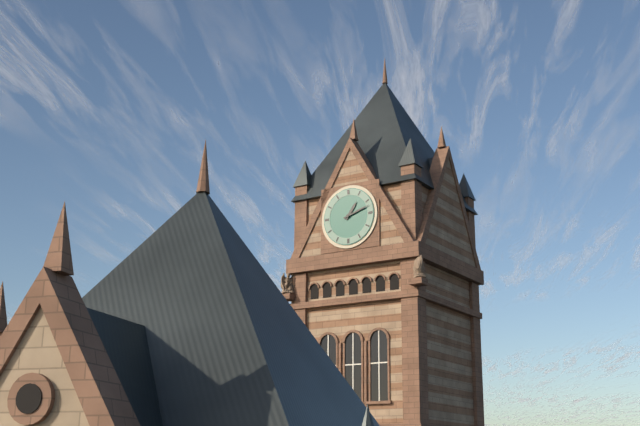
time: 1:12
